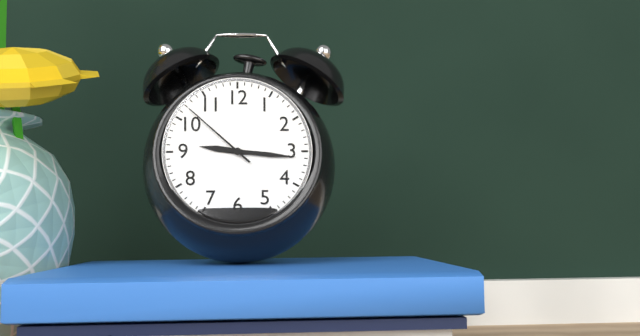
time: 9:16:52
